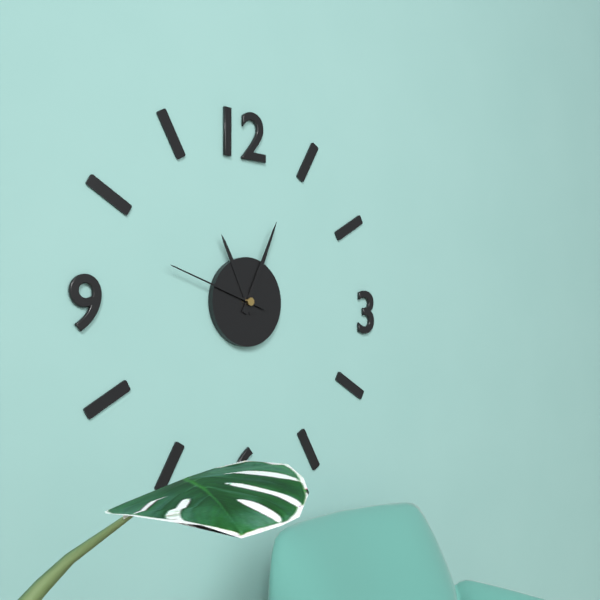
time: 11:04:48
